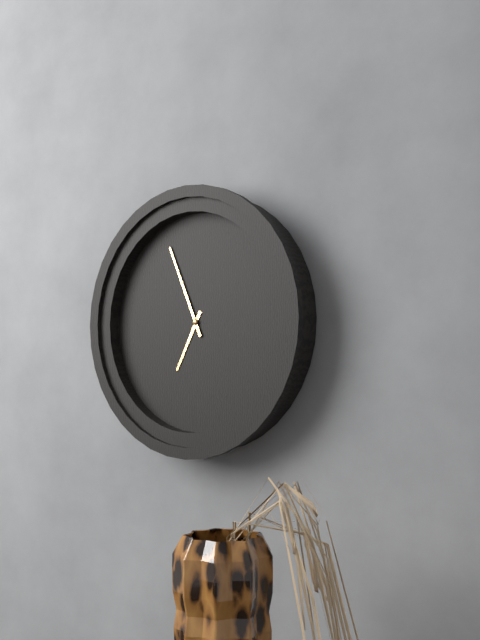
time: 6:56
